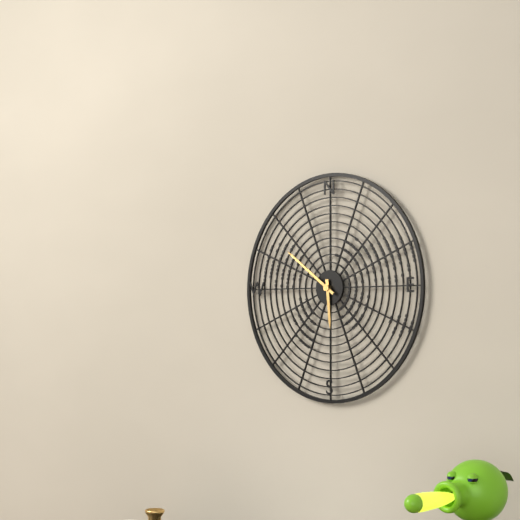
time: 5:51
